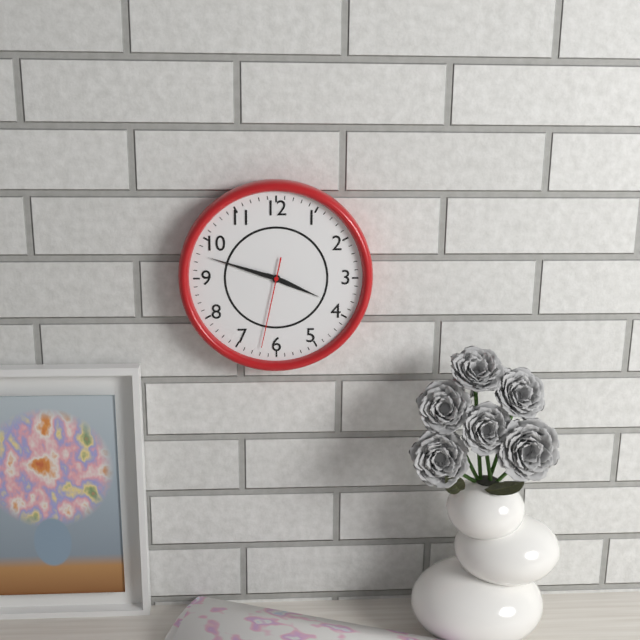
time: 3:48:32
